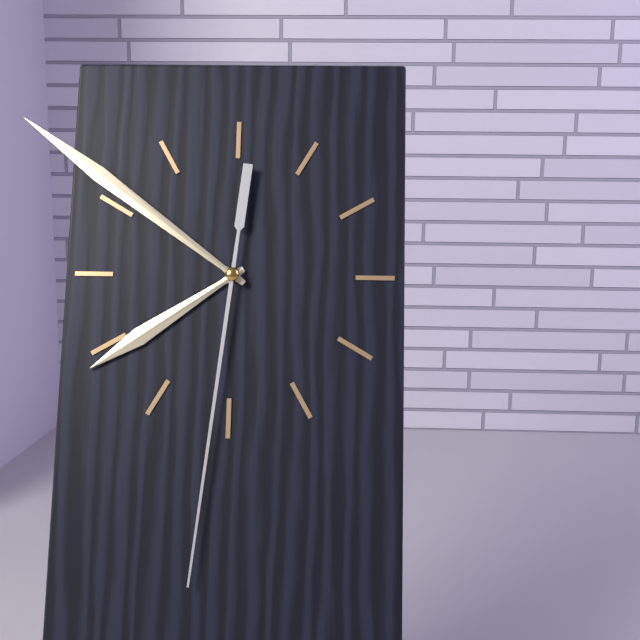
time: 7:51:31
